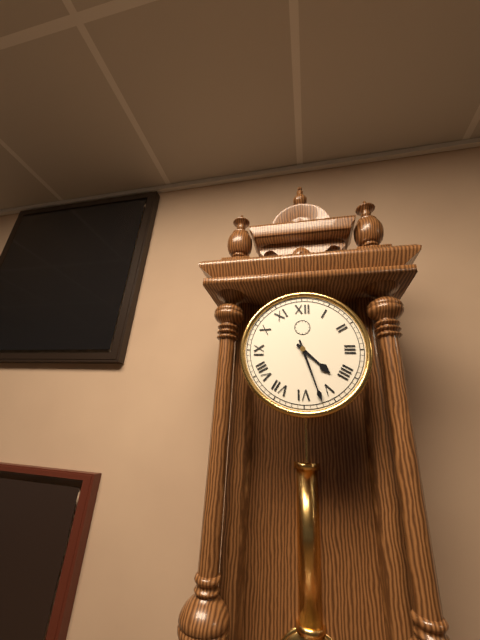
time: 4:27
